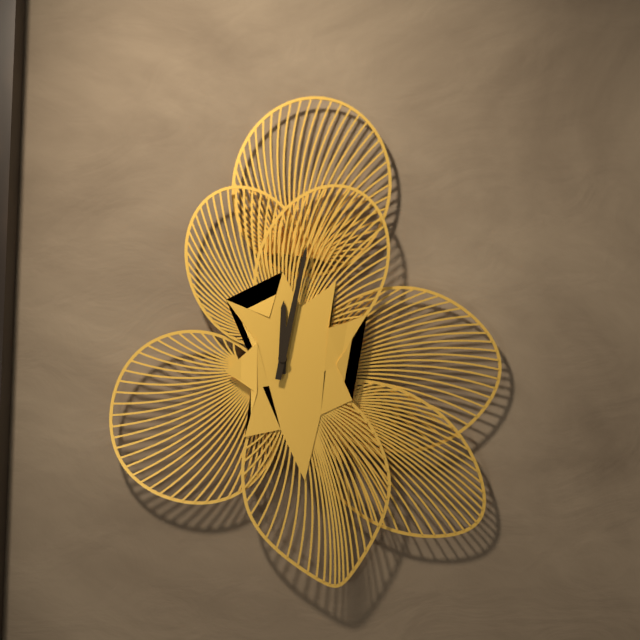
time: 12:02
